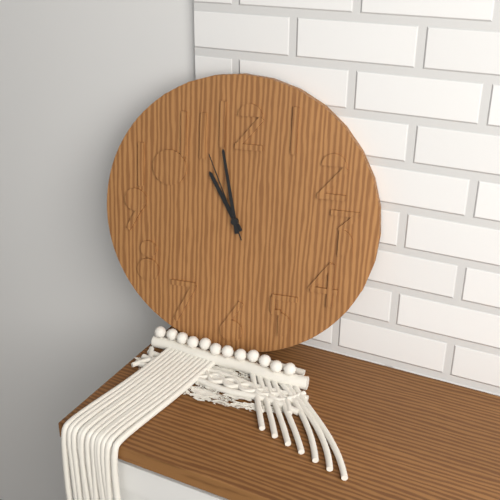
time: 10:58:56
